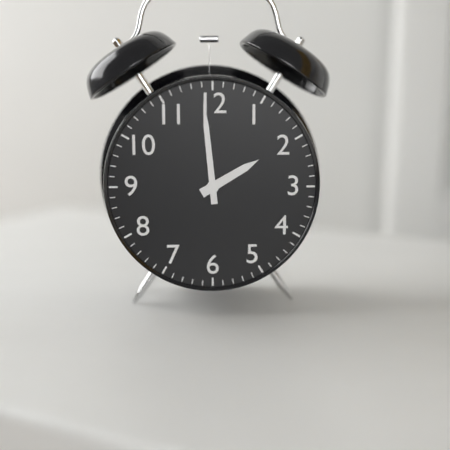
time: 1:59
